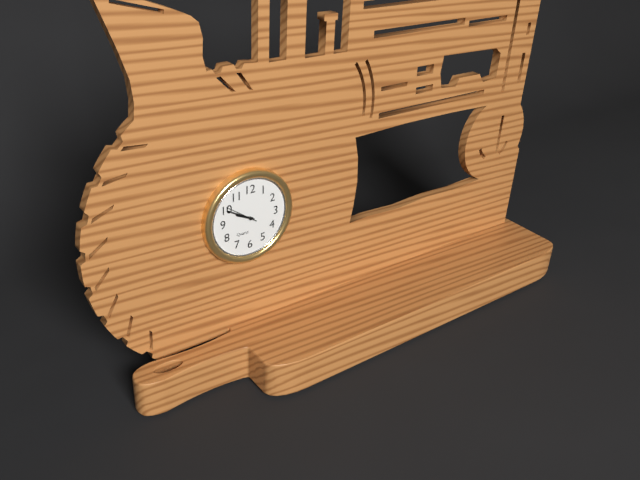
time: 9:50
